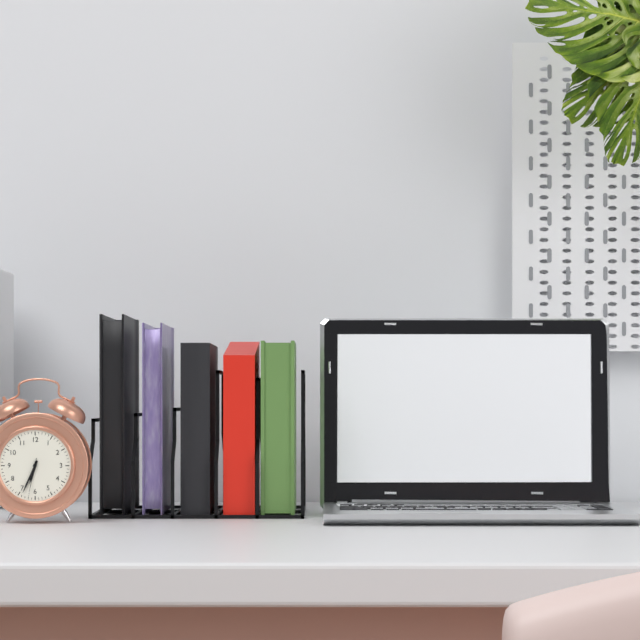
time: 6:34
